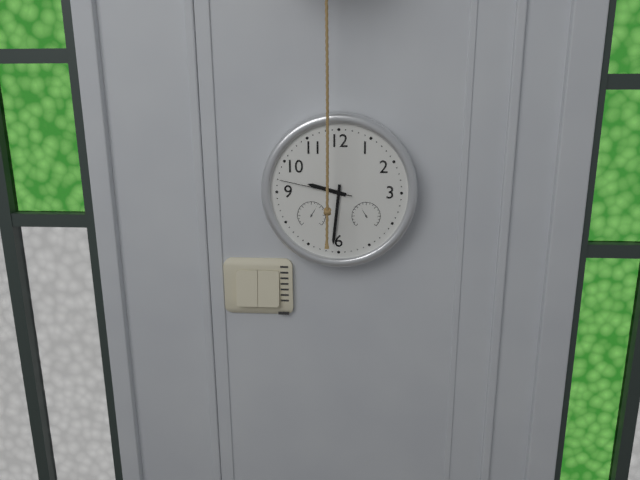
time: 9:31:47
